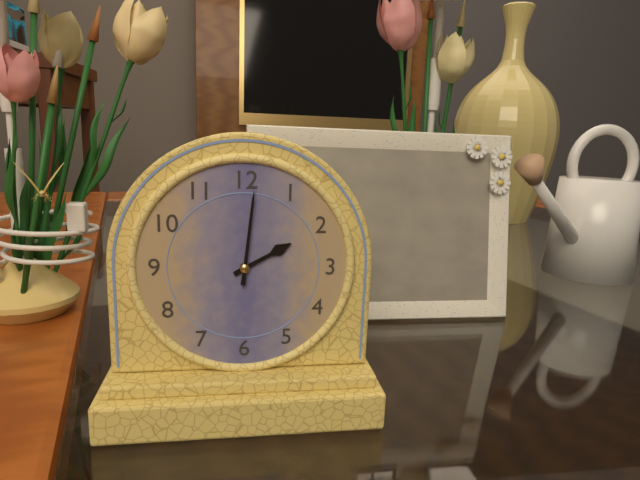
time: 2:01
